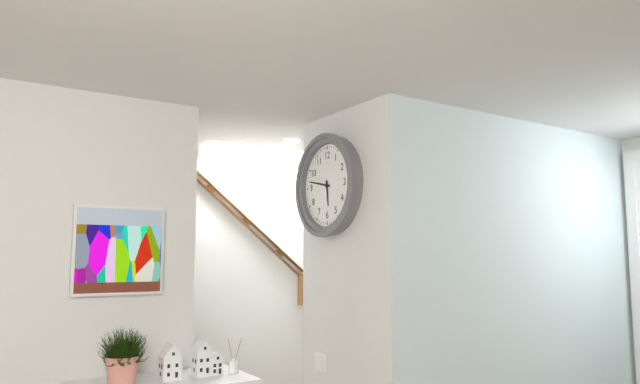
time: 5:47
